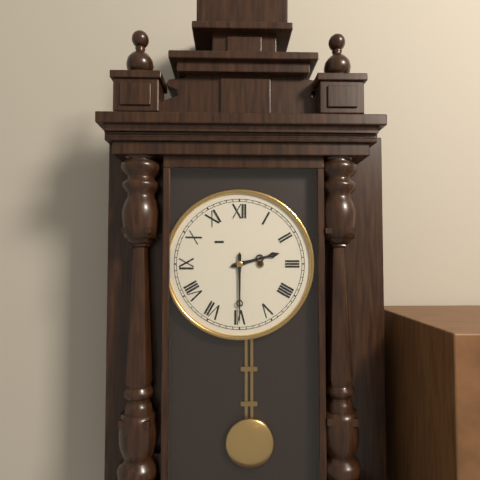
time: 2:30
